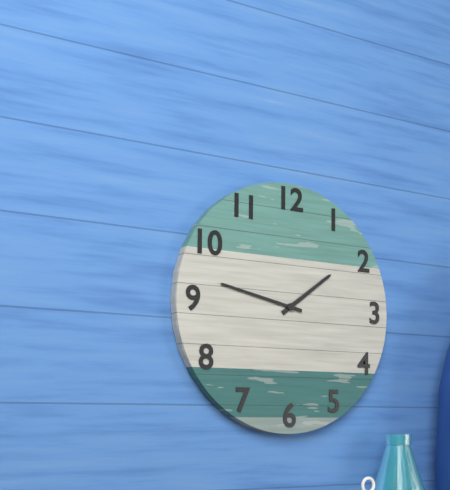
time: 1:47
